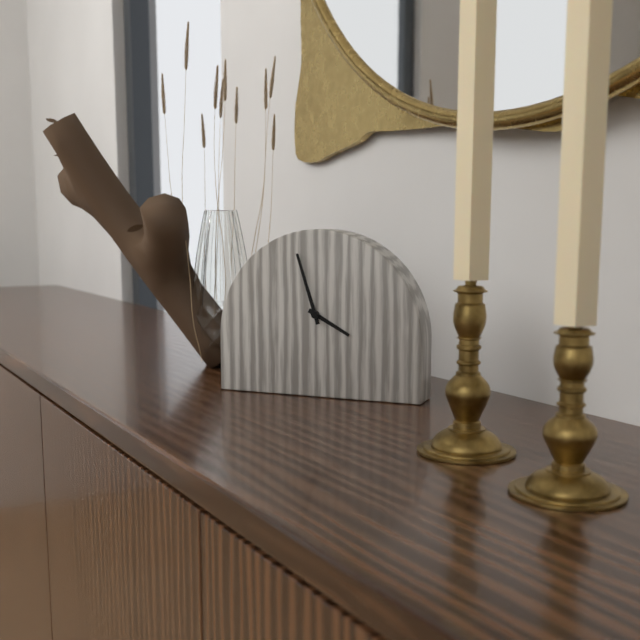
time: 3:57
